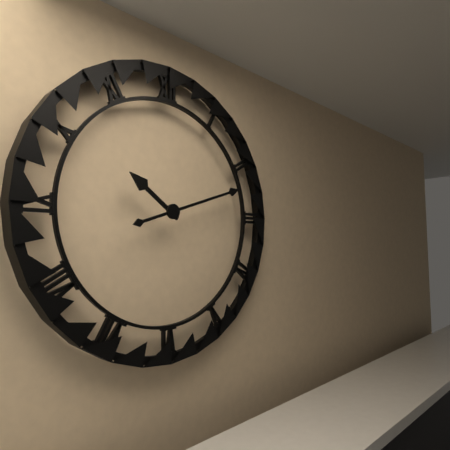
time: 10:12
